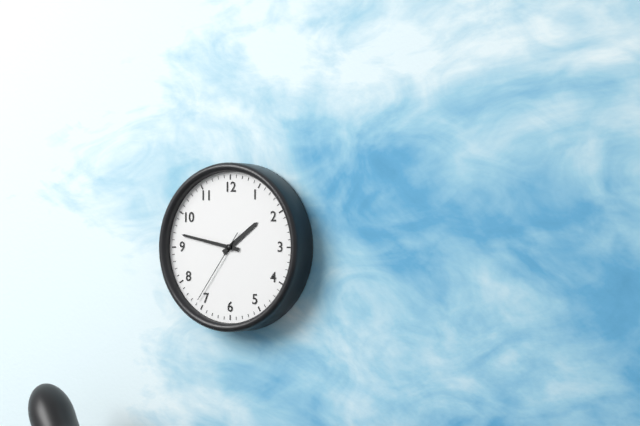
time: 1:47:36
